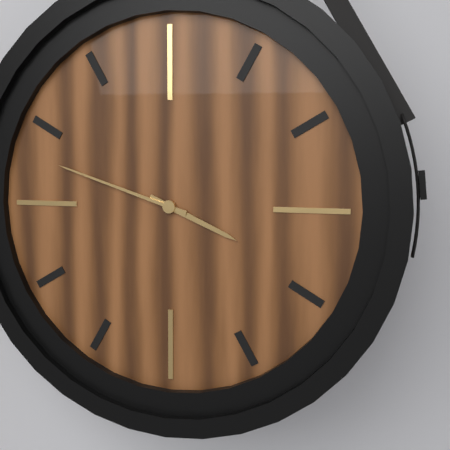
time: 3:48
